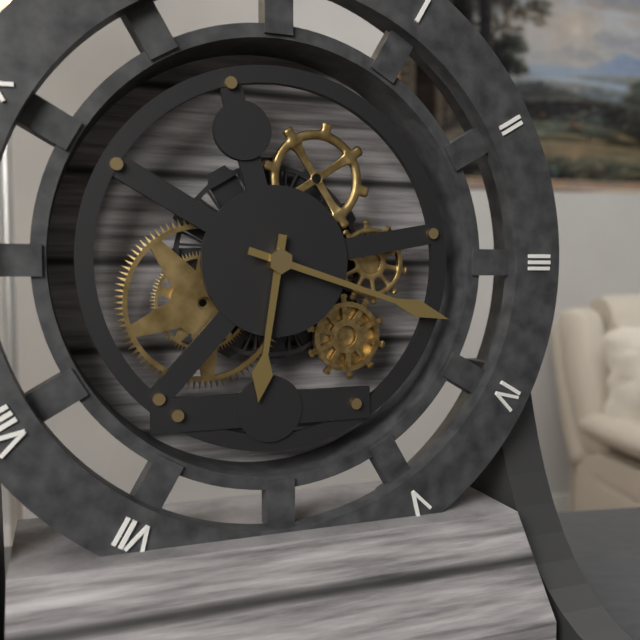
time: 6:18
